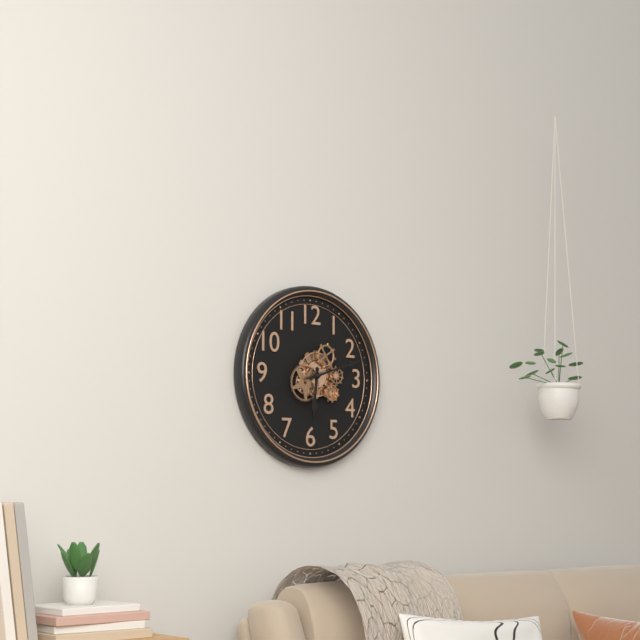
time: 6:12
